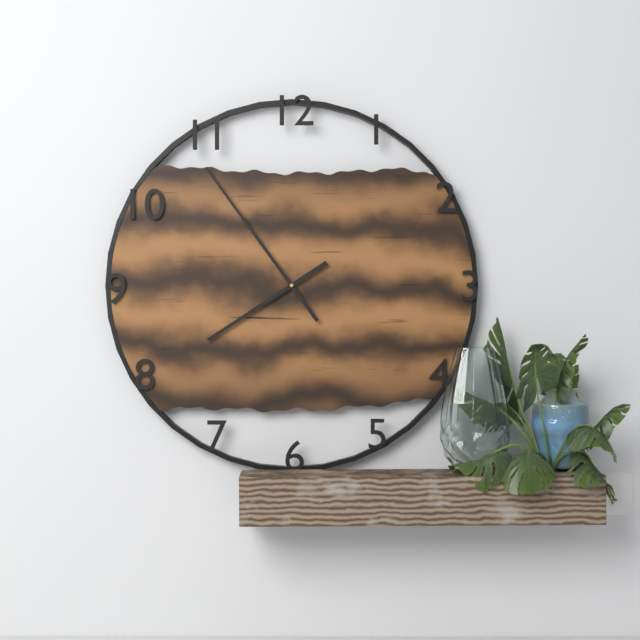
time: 7:54
